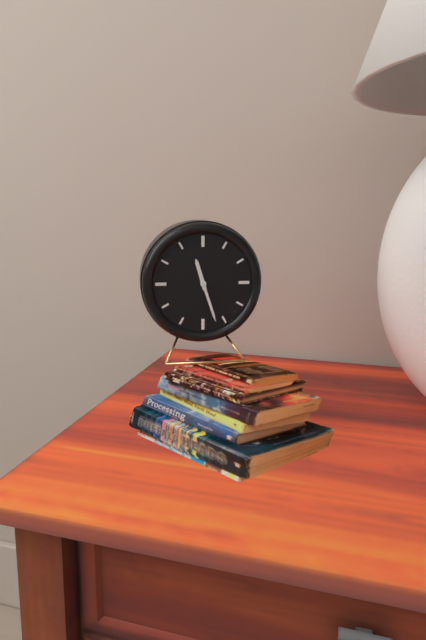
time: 11:27
